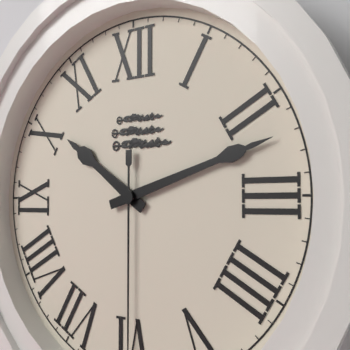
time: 10:12
